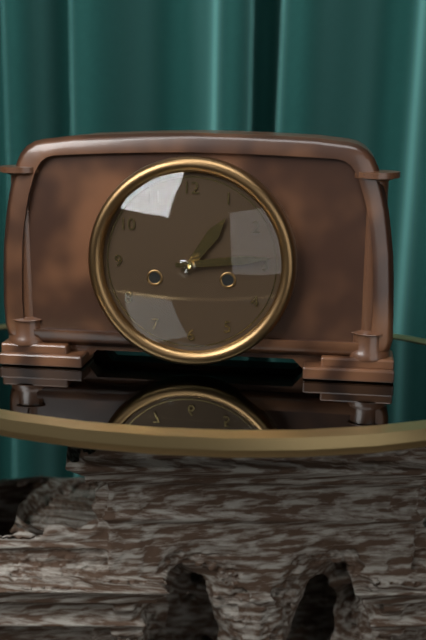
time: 1:14
